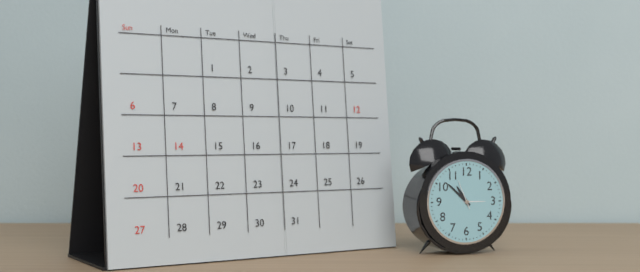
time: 10:52
